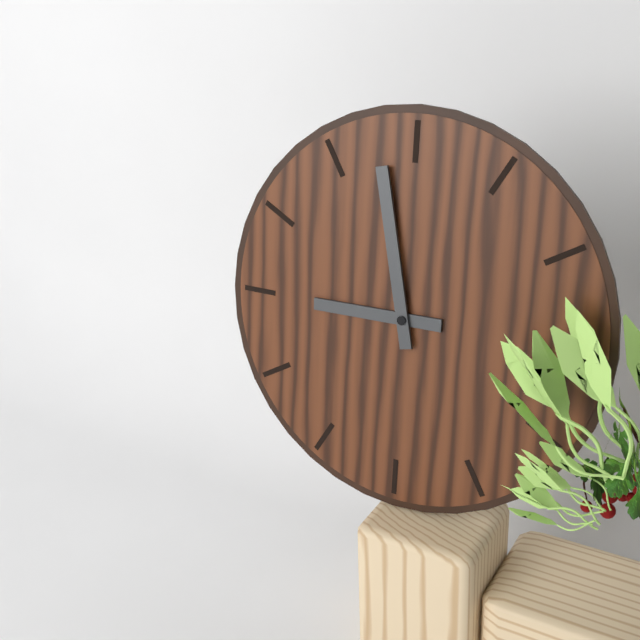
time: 8:58
